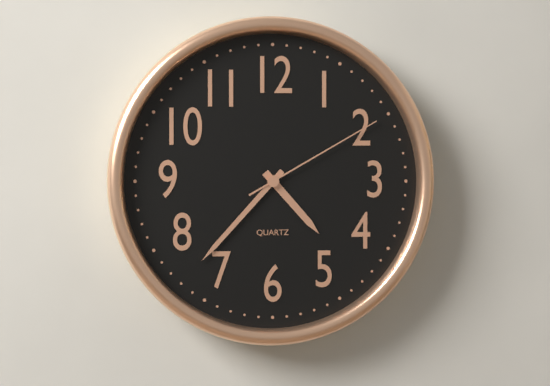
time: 4:37:10
